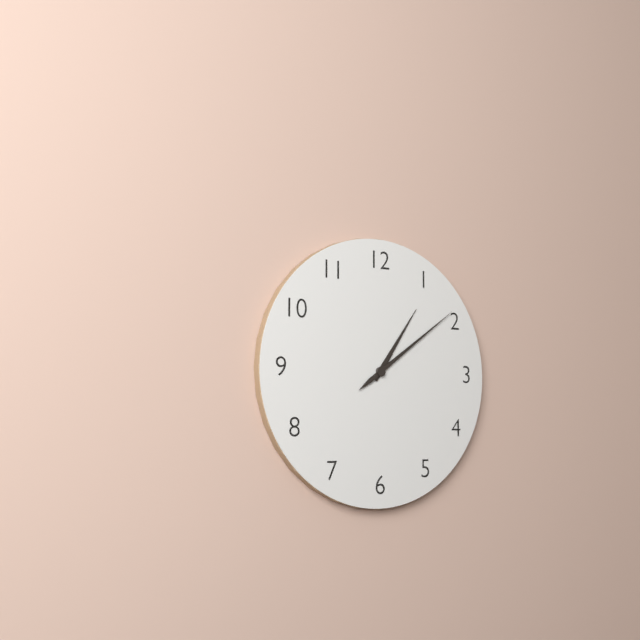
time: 1:09
